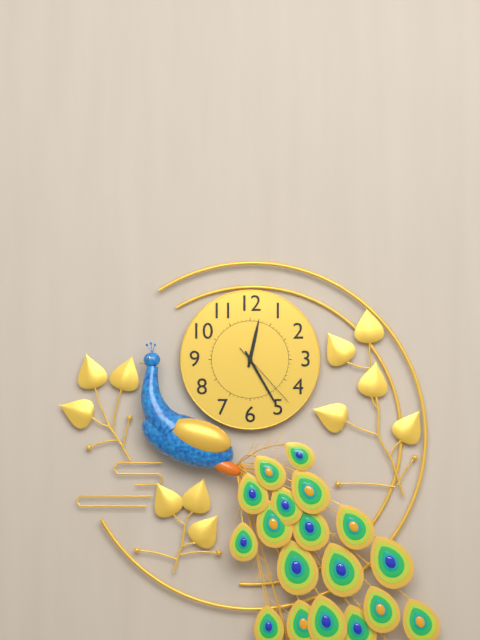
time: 12:25:23
